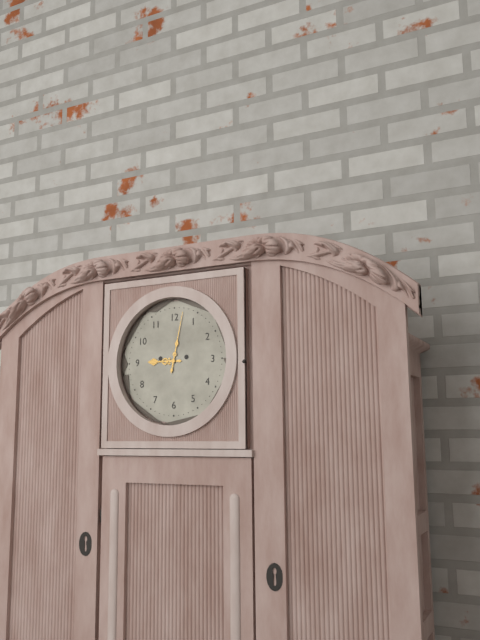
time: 9:02
